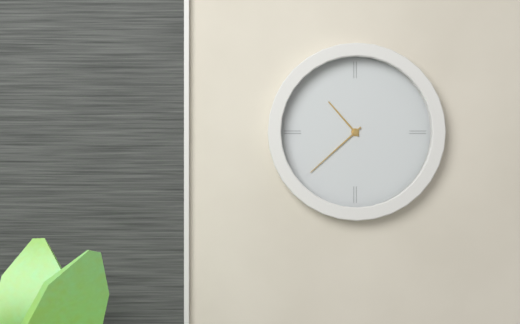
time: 10:38
